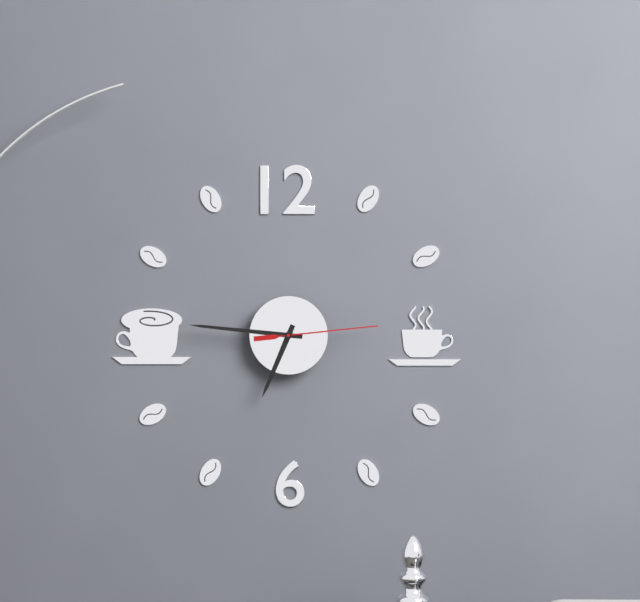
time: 6:46:14
